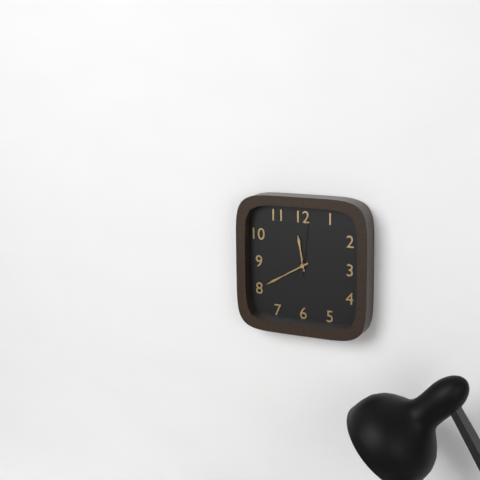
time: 11:40:01
